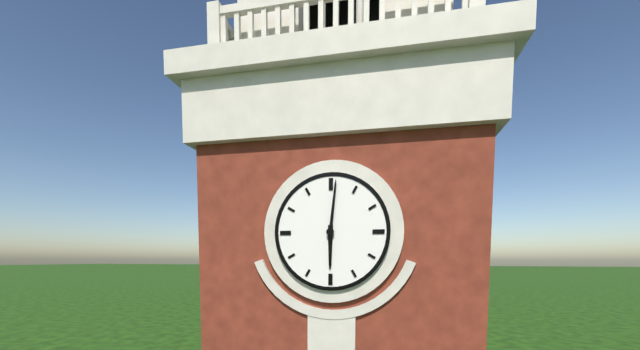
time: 6:01
